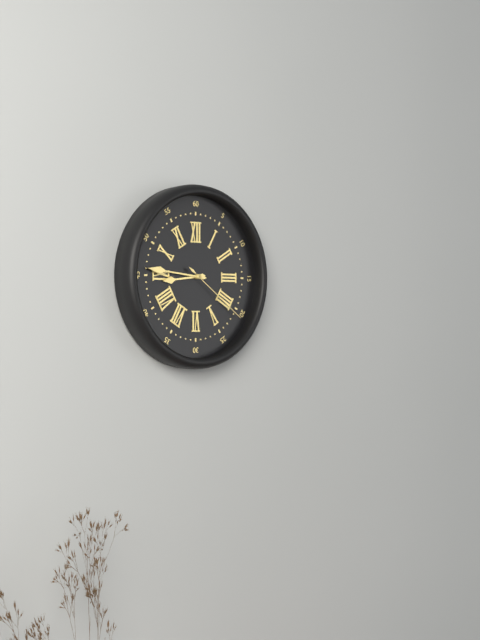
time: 8:46:21
